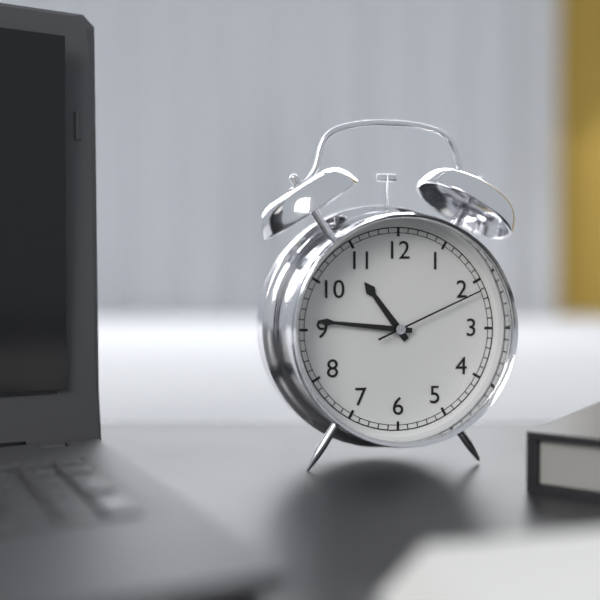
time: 10:46:11
